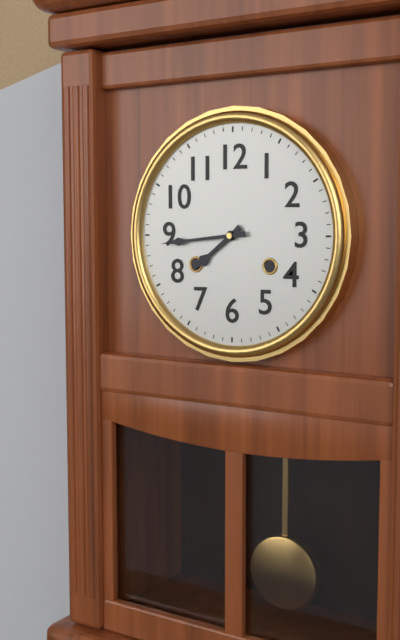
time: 7:44
